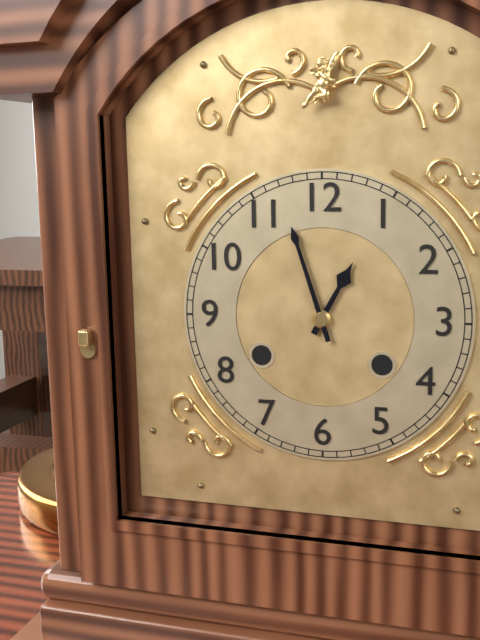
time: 12:57
